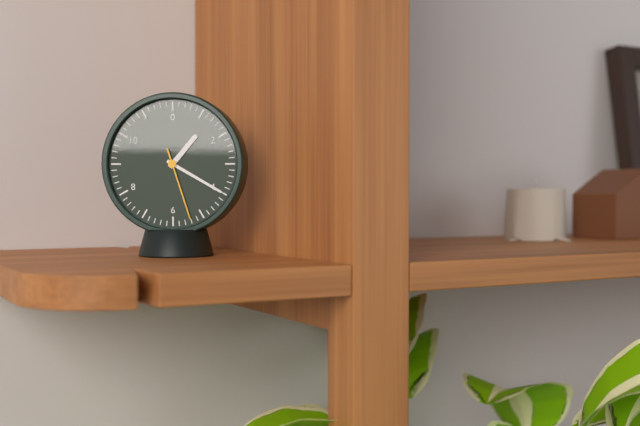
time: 1:20:27
